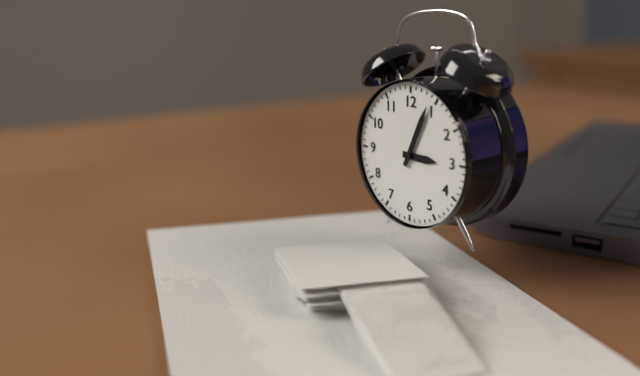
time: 3:04
